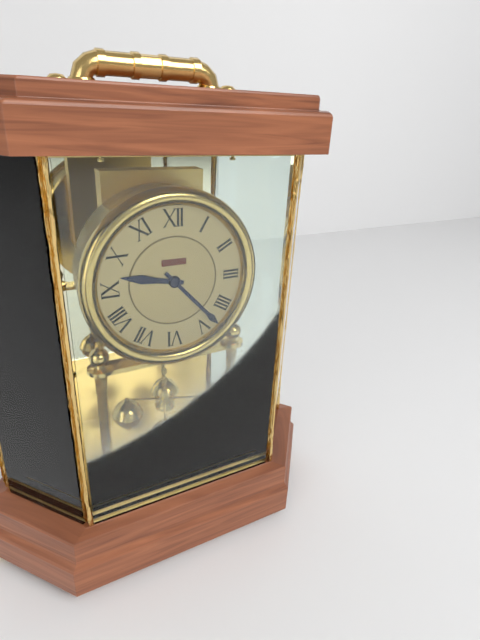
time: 9:23
